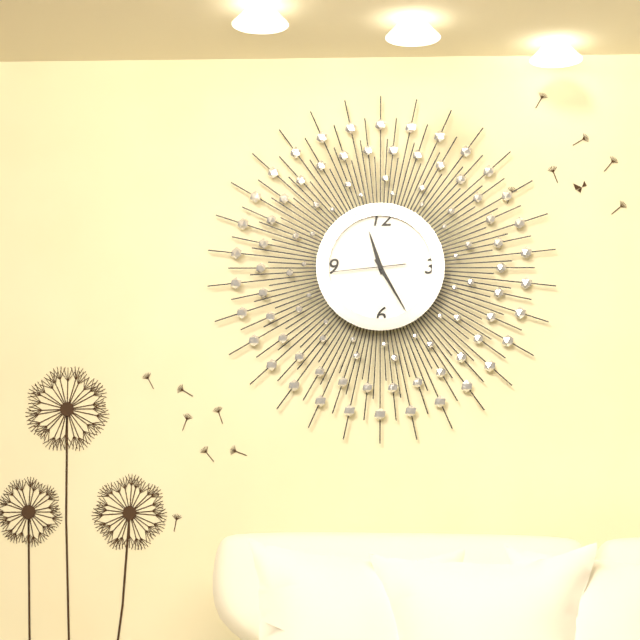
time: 11:25:44
